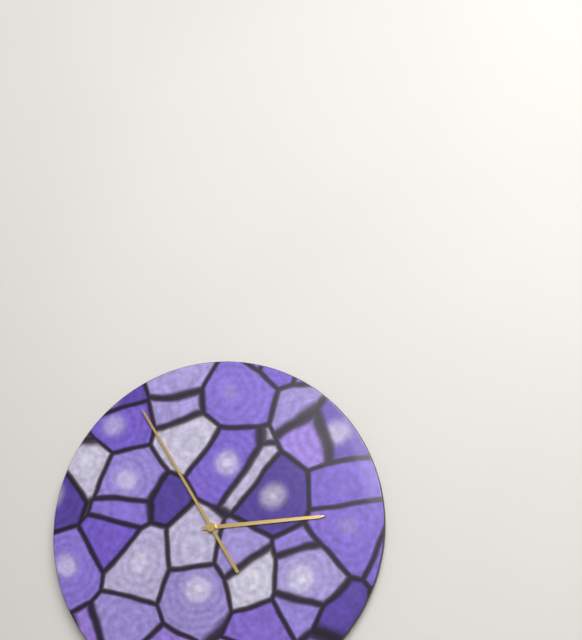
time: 2:55
